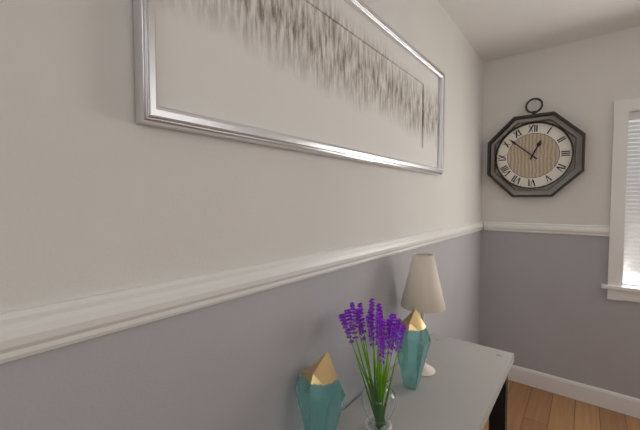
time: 12:52
